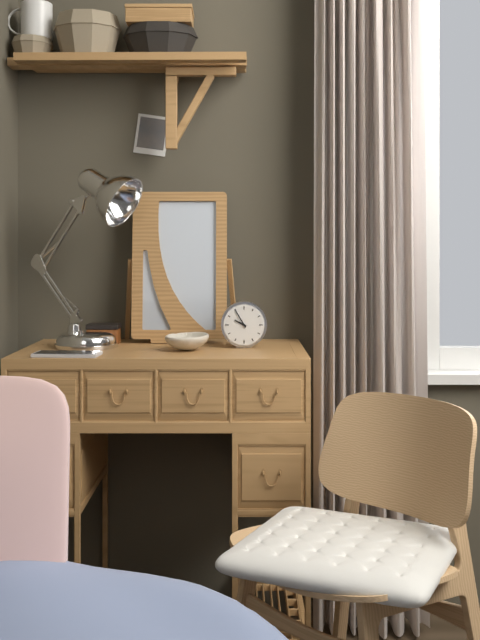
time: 9:55
